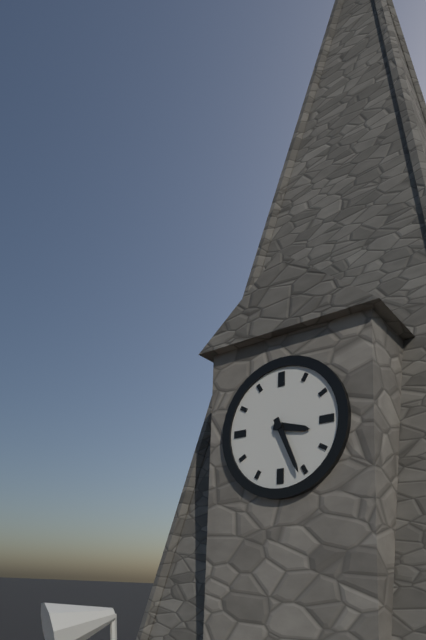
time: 3:26
